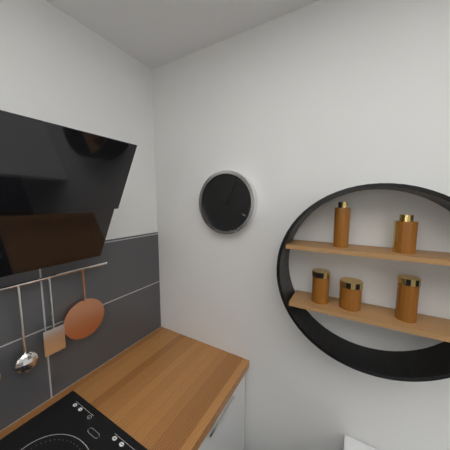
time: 9:05
